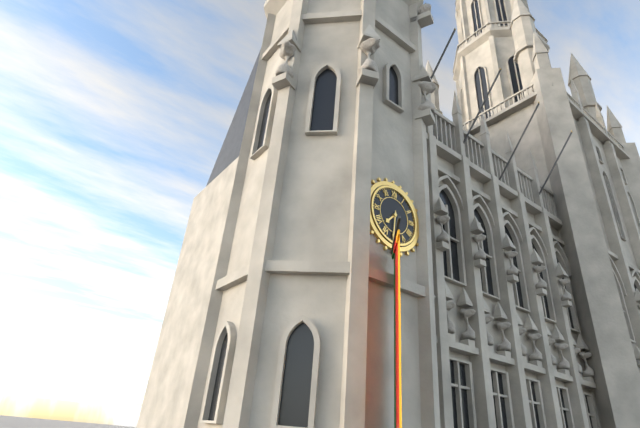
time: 7:31
